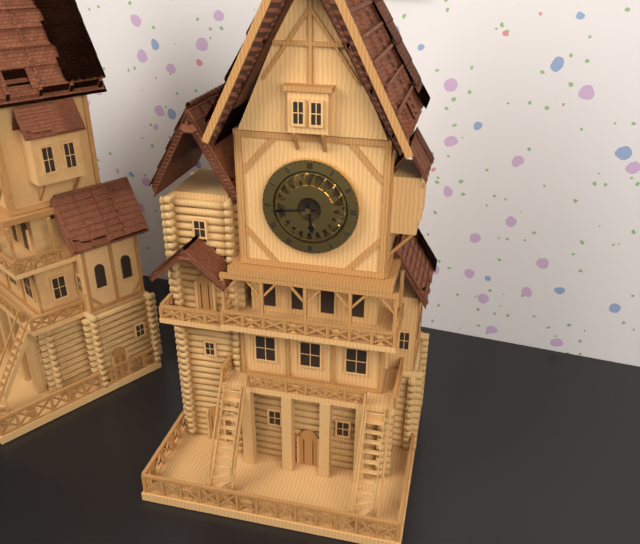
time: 5:44
